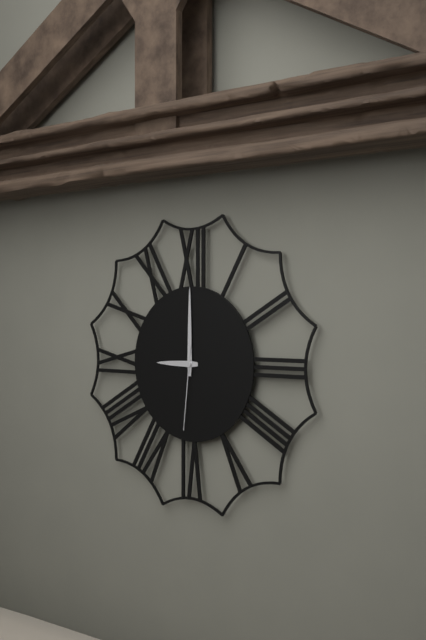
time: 9:00:31
